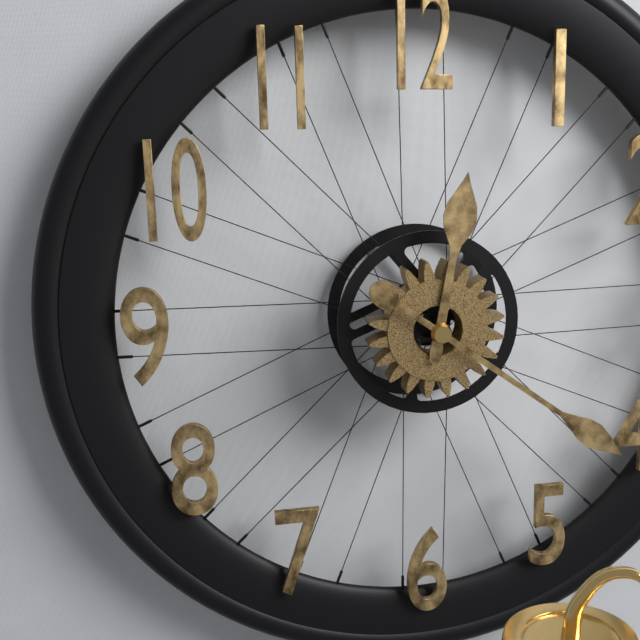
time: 12:21
